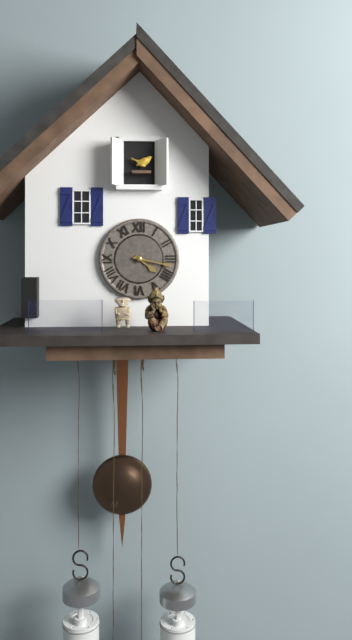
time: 4:17
